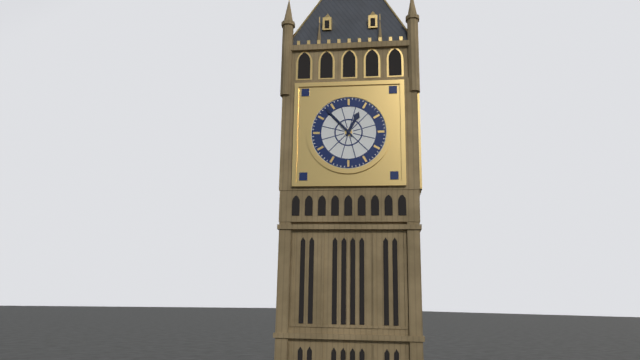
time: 12:53
